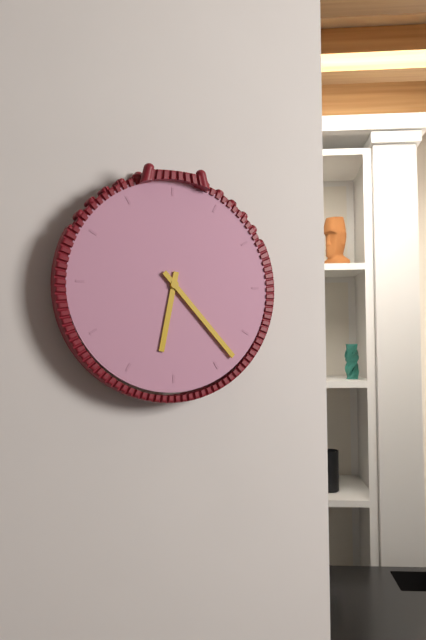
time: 6:23
